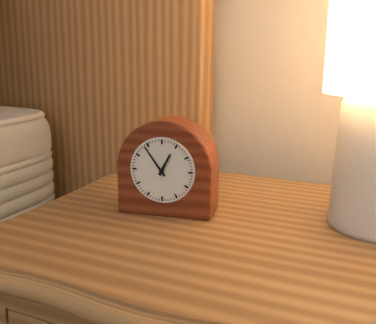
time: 12:54
